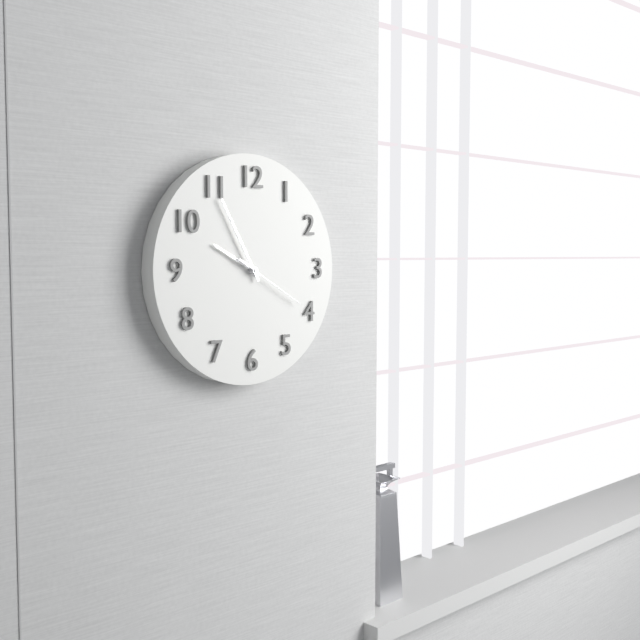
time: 9:55:20
